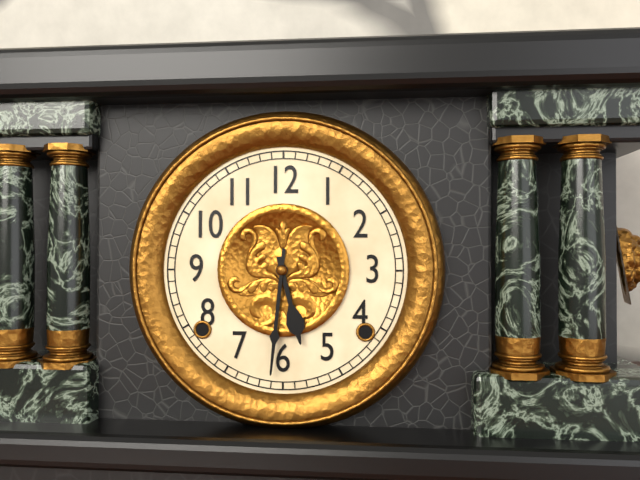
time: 5:31
